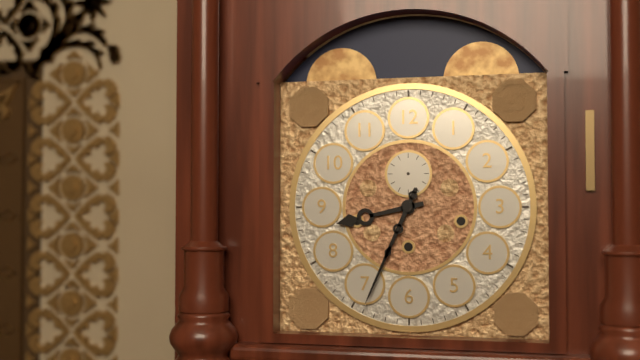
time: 8:34
